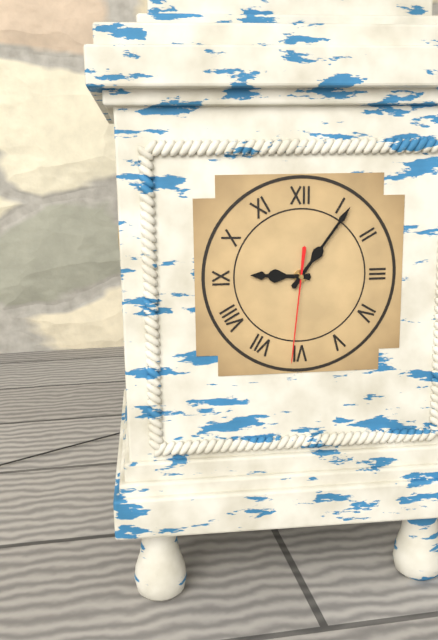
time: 9:06:31
